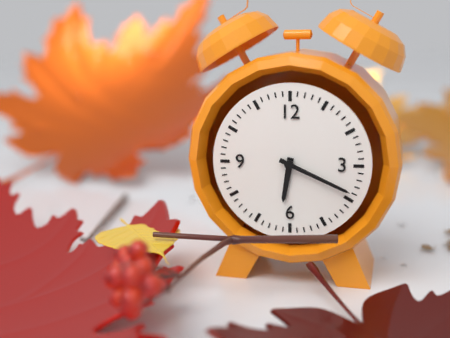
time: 6:19
